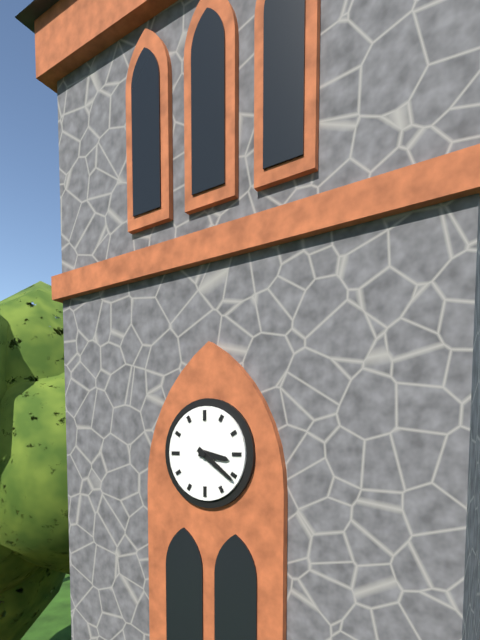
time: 3:21
